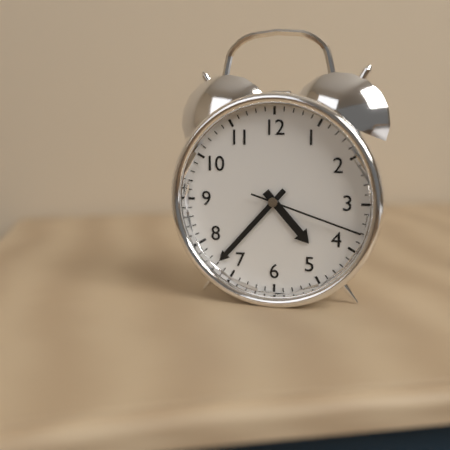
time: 4:37:18
